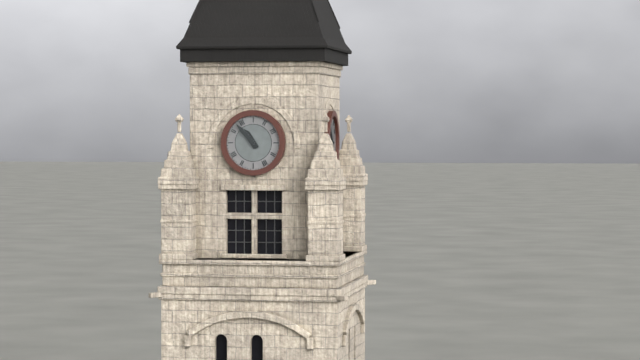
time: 10:53
